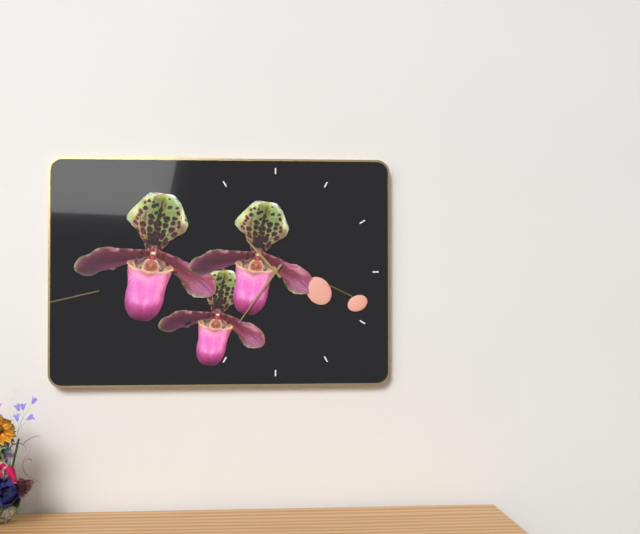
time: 10:36
